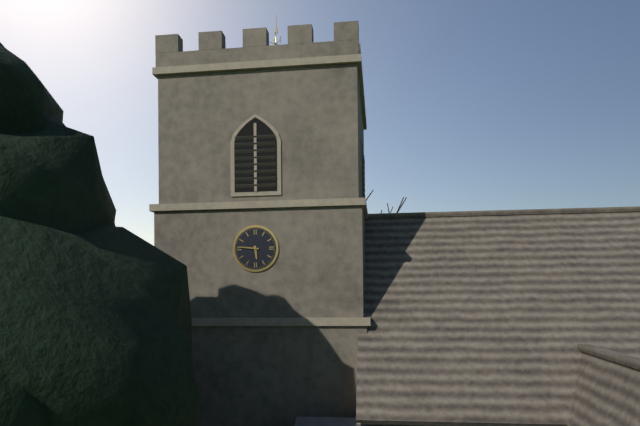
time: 5:46
